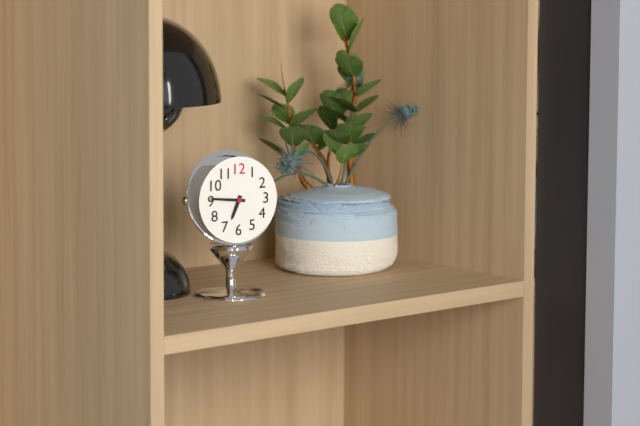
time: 6:46
